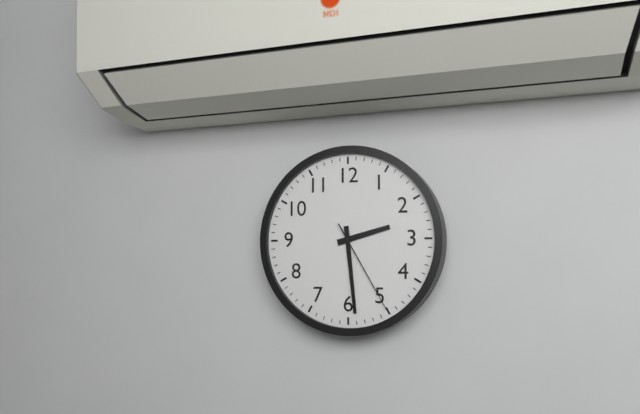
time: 2:29:25
